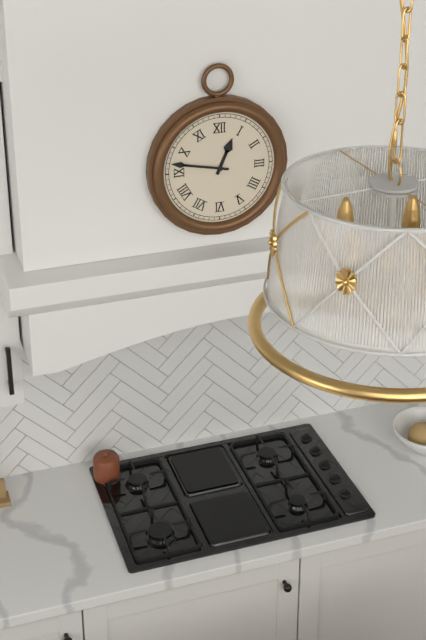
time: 12:47
